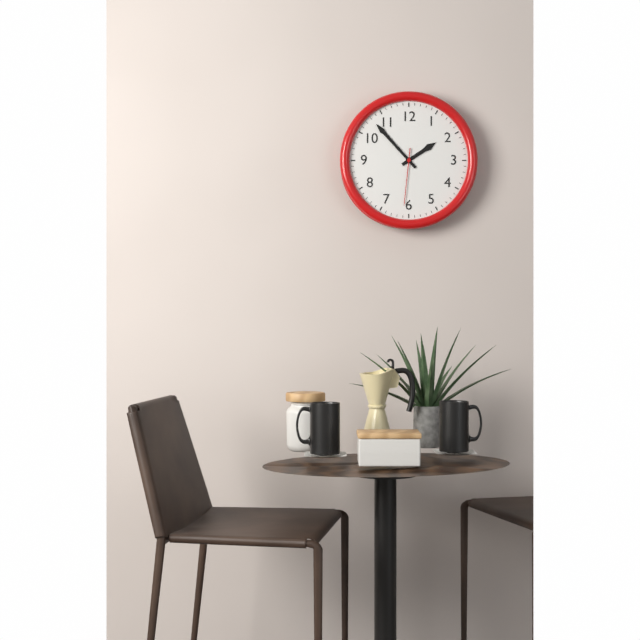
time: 1:53:31
